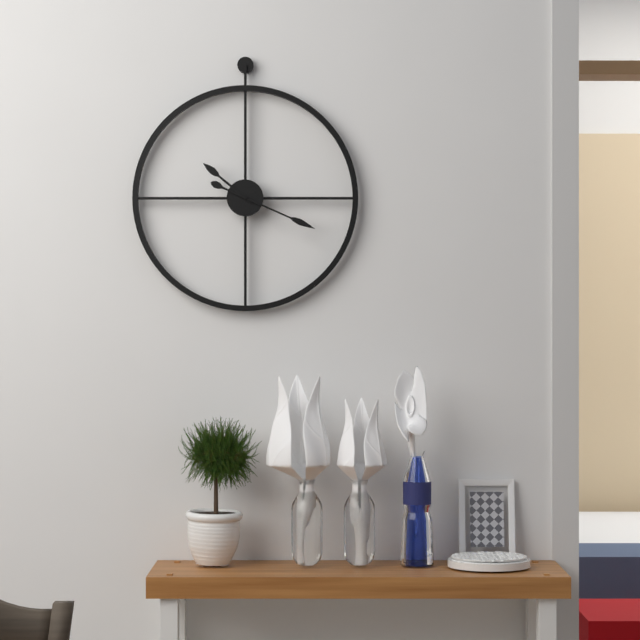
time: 10:19
